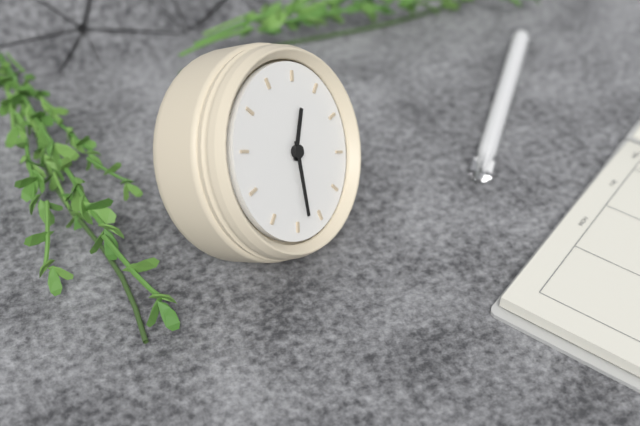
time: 12:28
